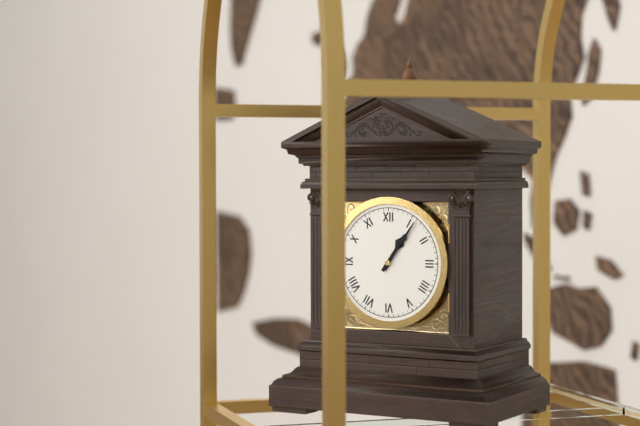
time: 1:06
